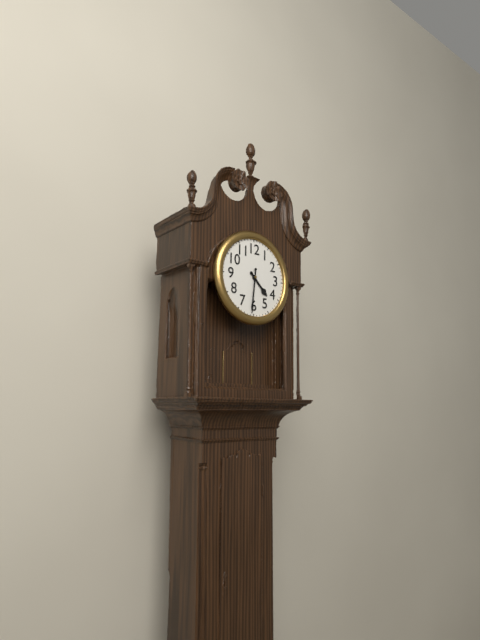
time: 4:31
